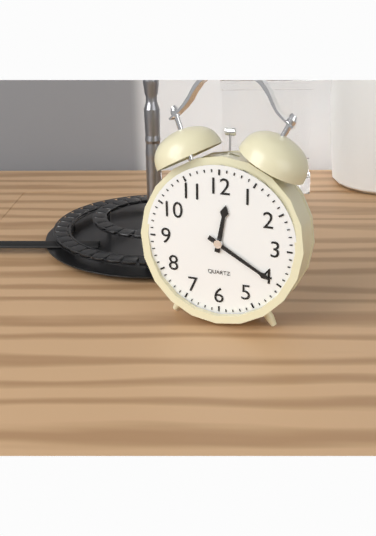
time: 12:20
